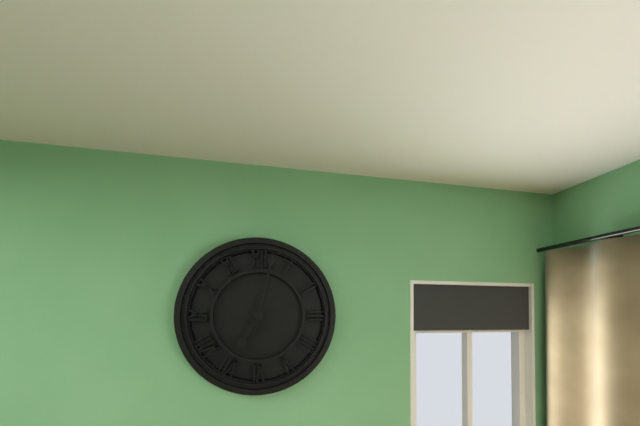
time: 7:02
